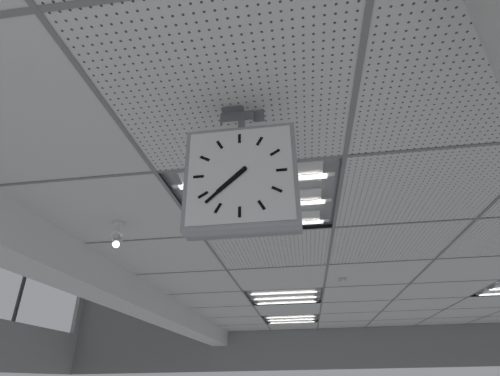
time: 7:38
